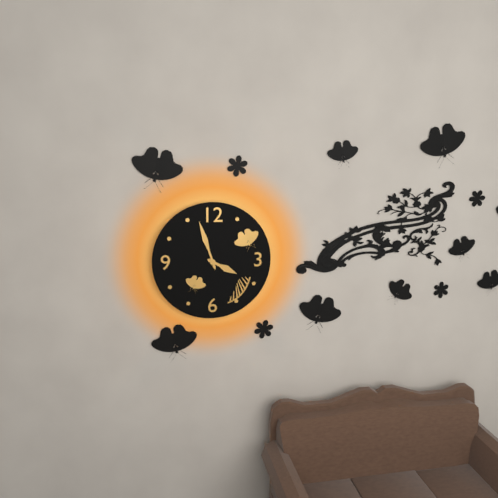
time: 3:57
